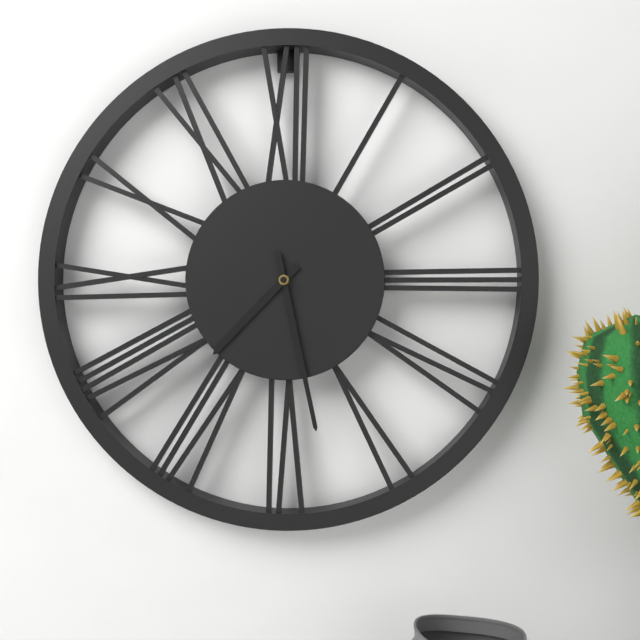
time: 7:28
